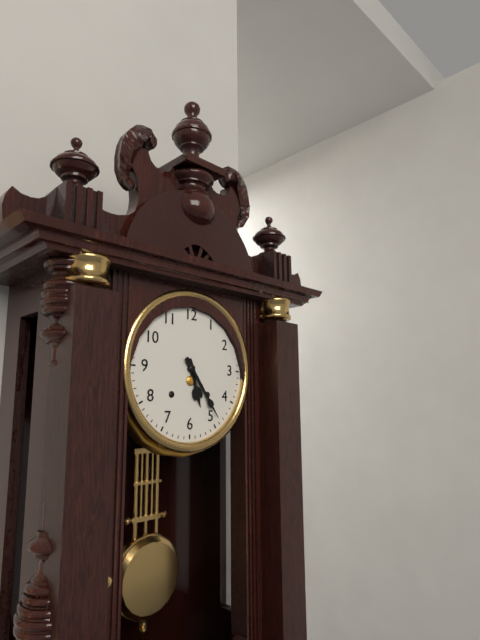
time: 5:24
